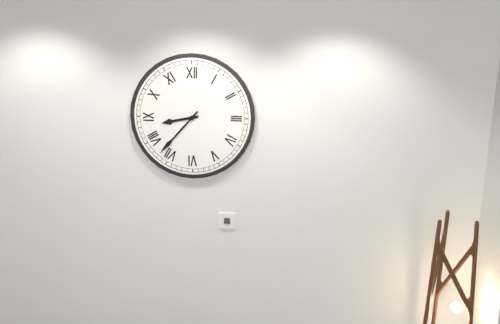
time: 8:37
